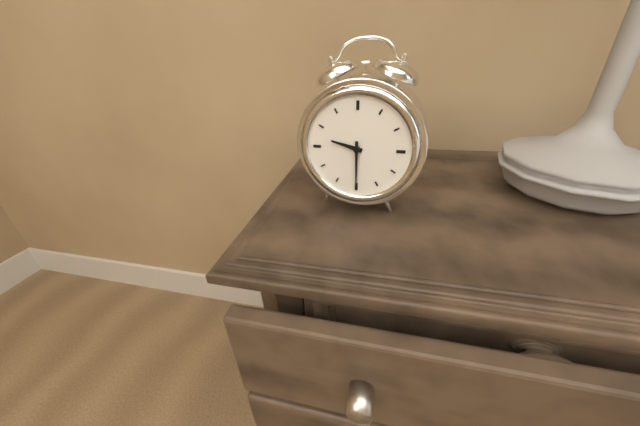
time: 9:30
